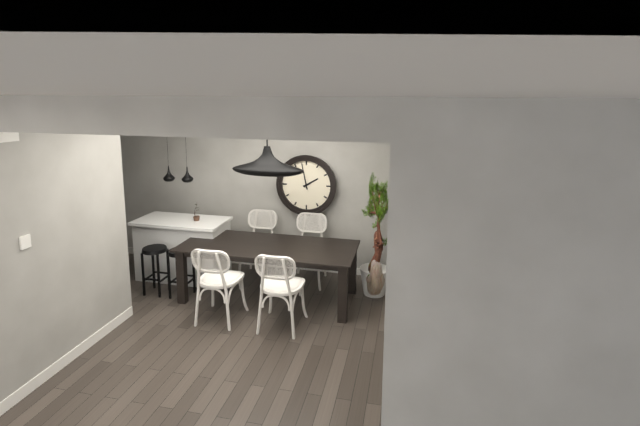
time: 1:58
